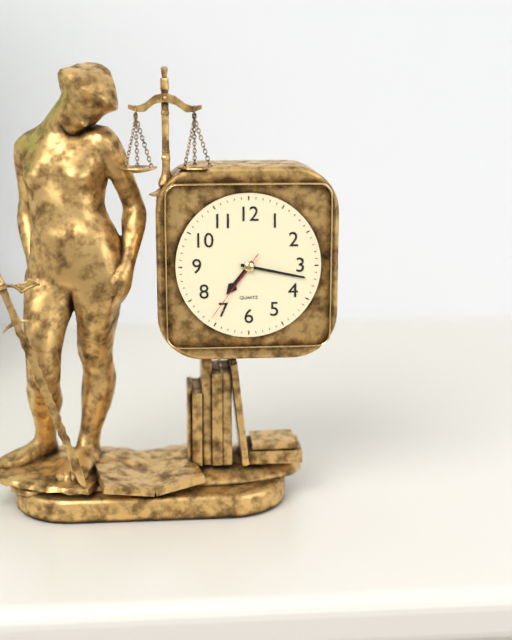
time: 7:17:36
